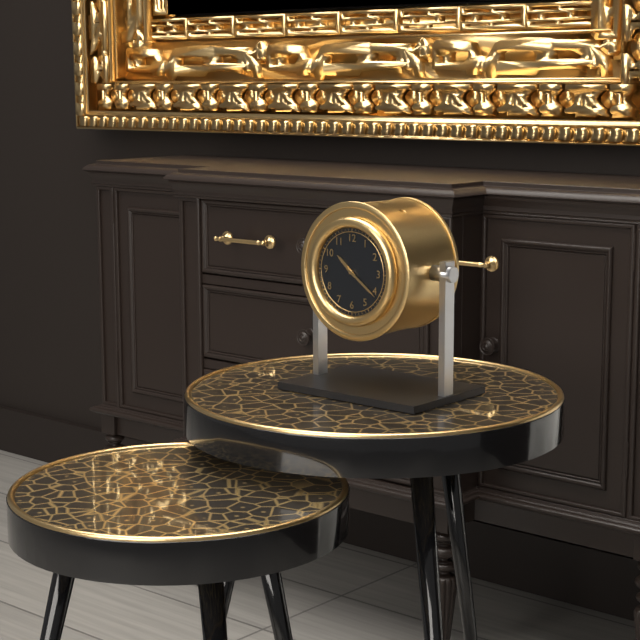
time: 10:21
